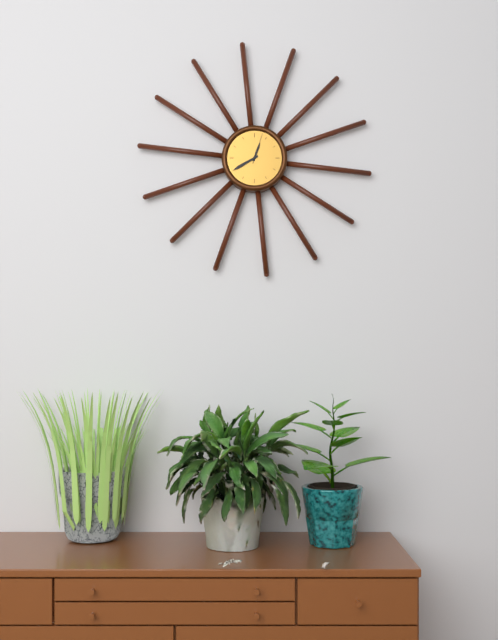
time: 12:40
